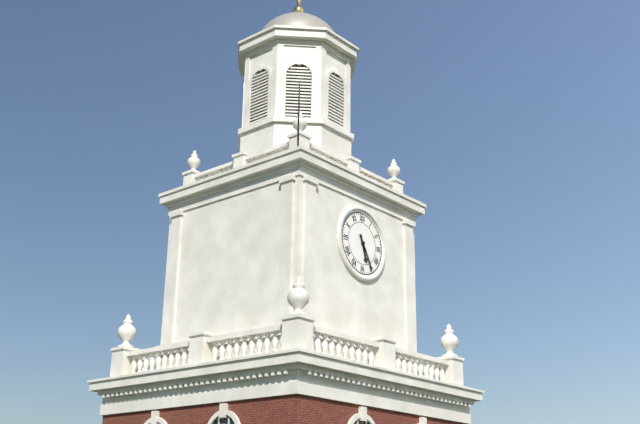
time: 5:25
